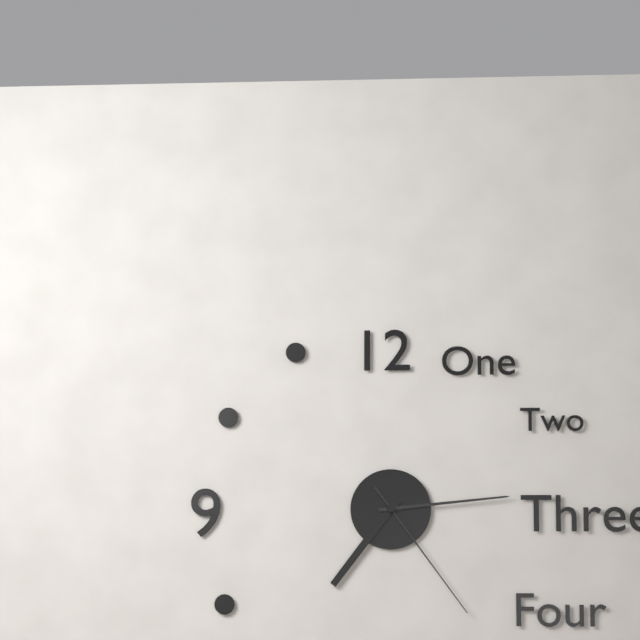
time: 7:14:24
